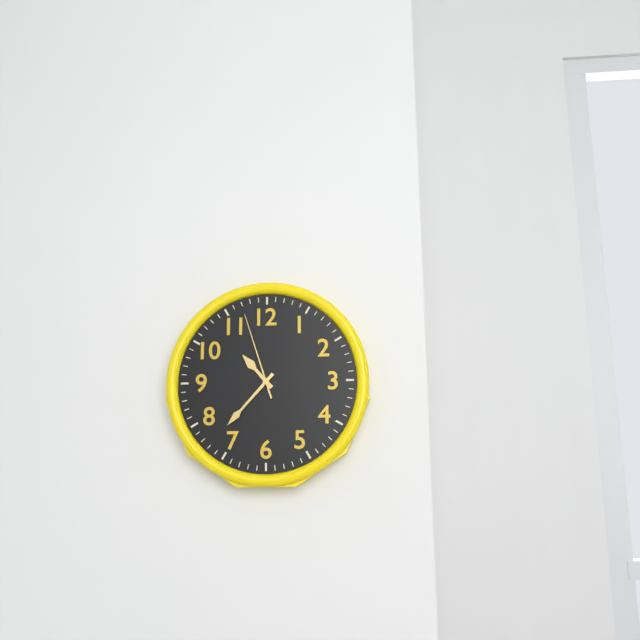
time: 10:37:57
